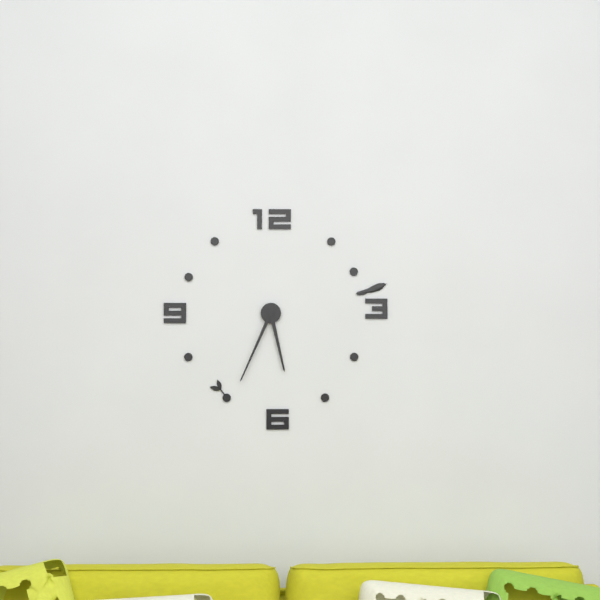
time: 5:34
